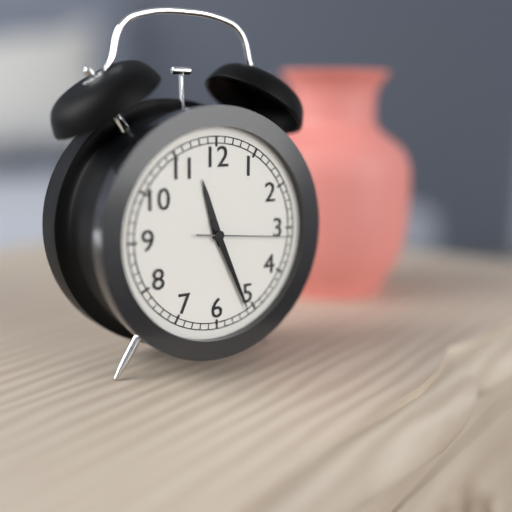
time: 11:26:16
